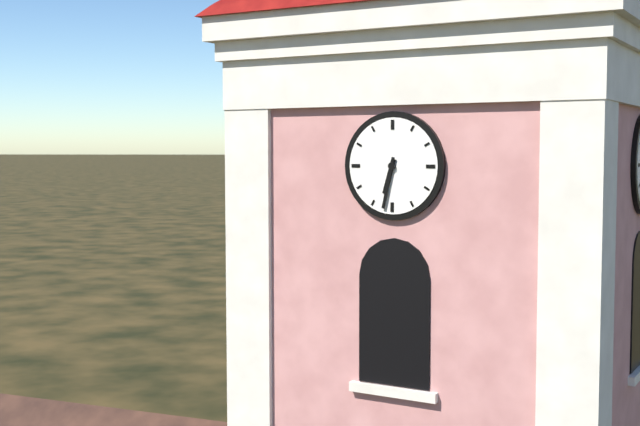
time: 6:32
